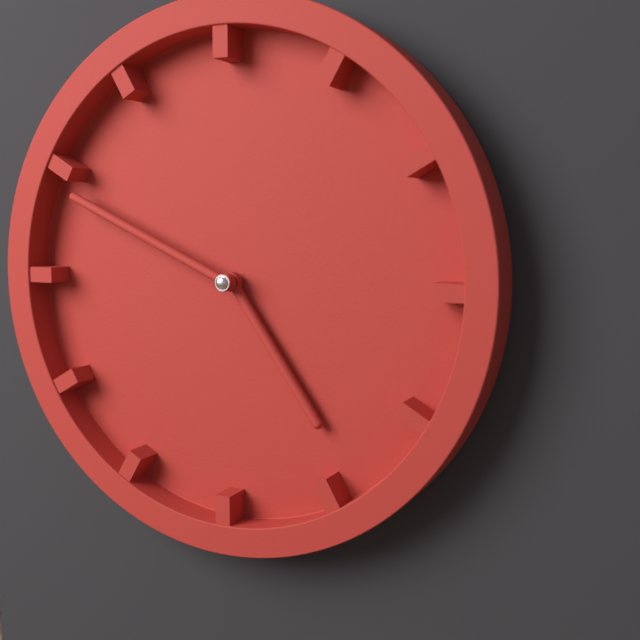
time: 4:49
